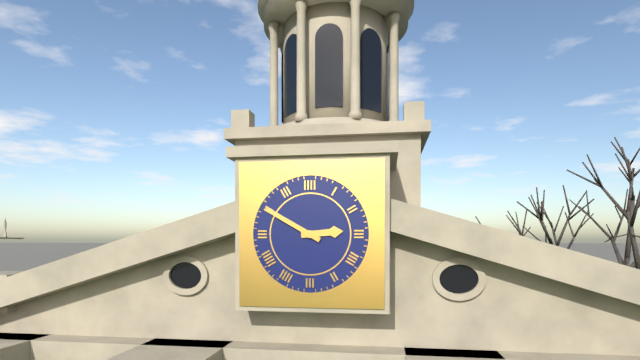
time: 2:50
